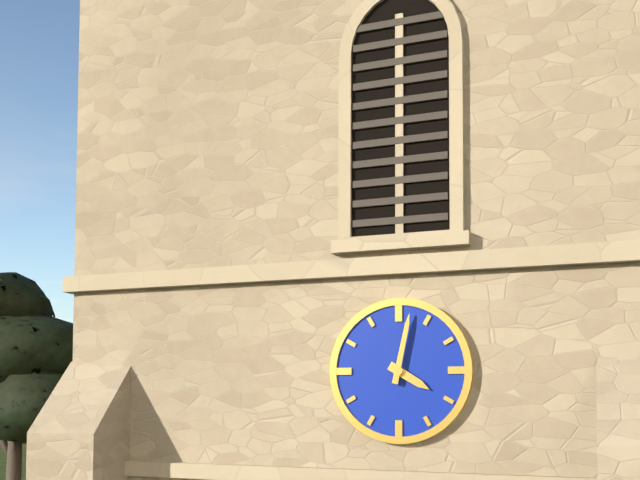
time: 4:02
